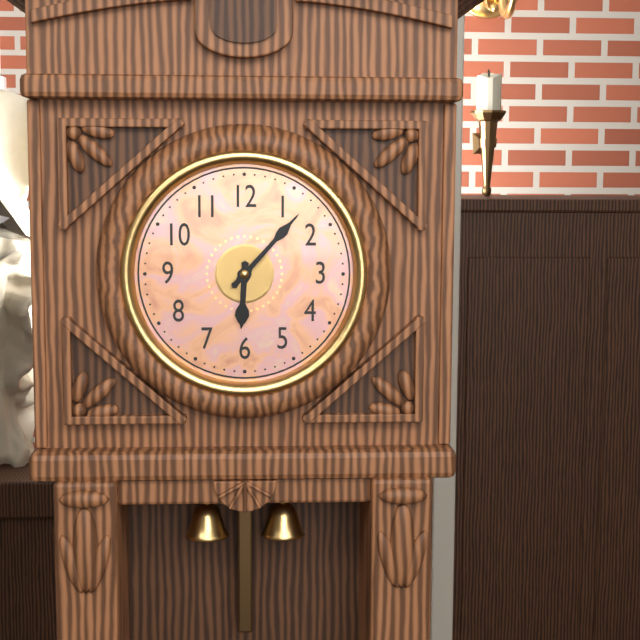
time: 6:07
